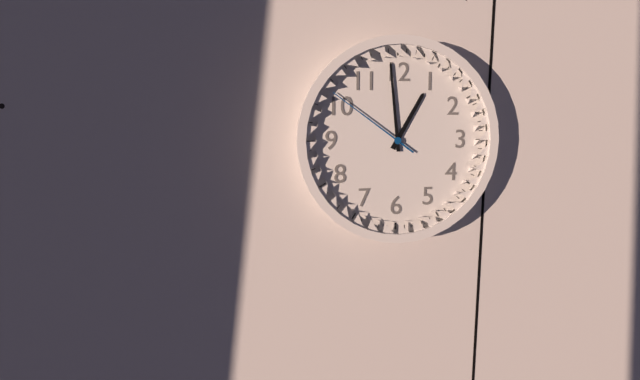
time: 12:59:51
